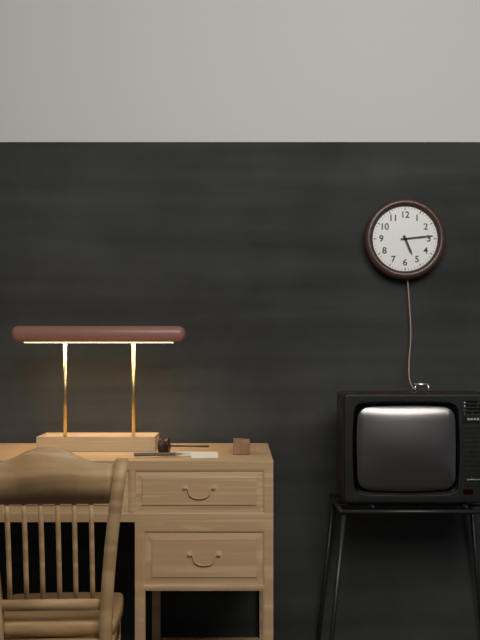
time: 5:14
